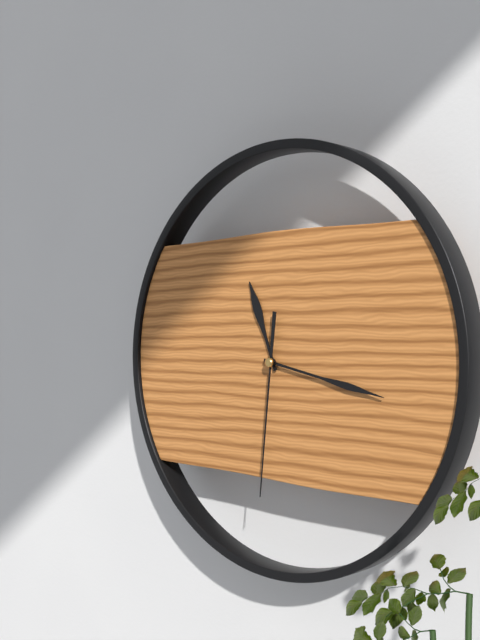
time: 11:17:31
